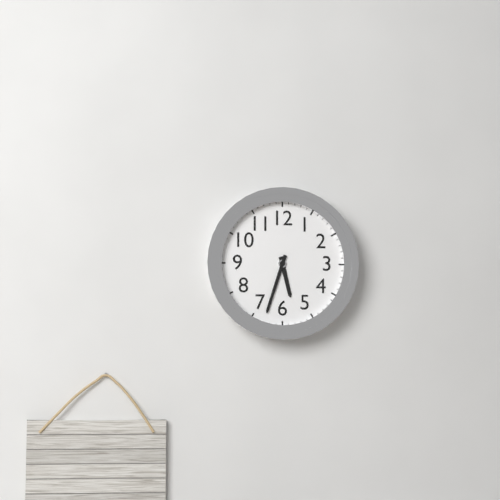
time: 5:33
